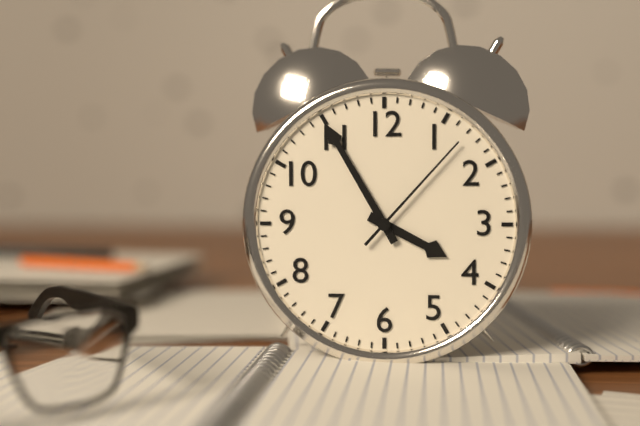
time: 3:55:07
